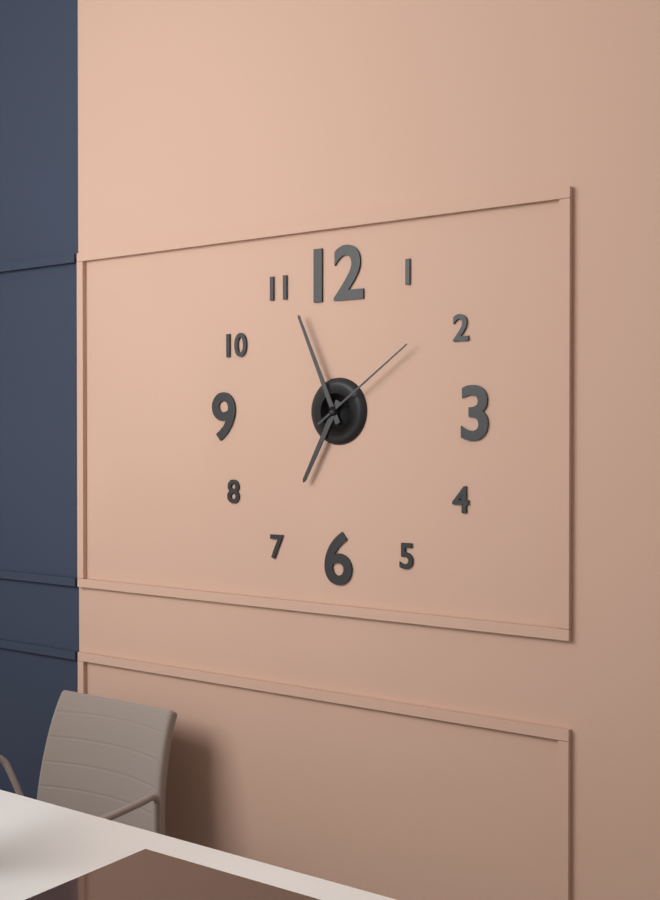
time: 6:56:09
